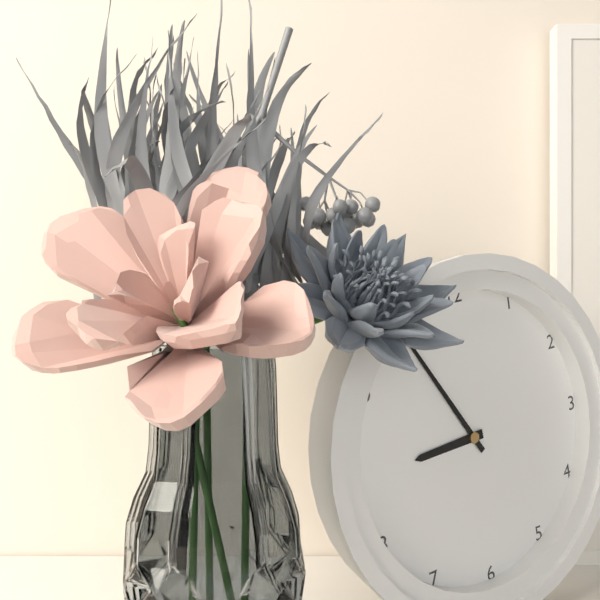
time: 8:55
